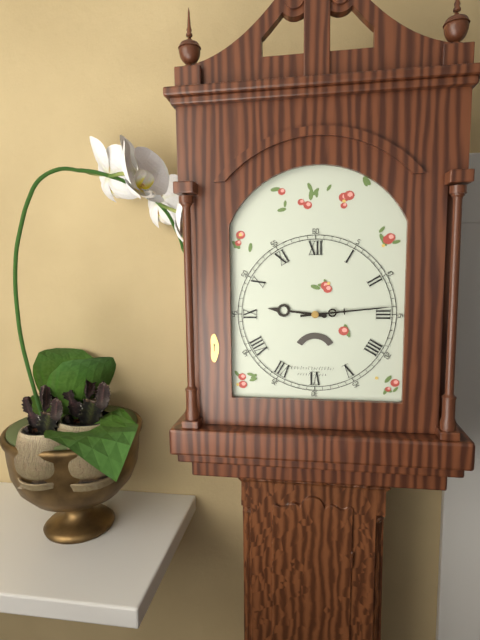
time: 9:14
